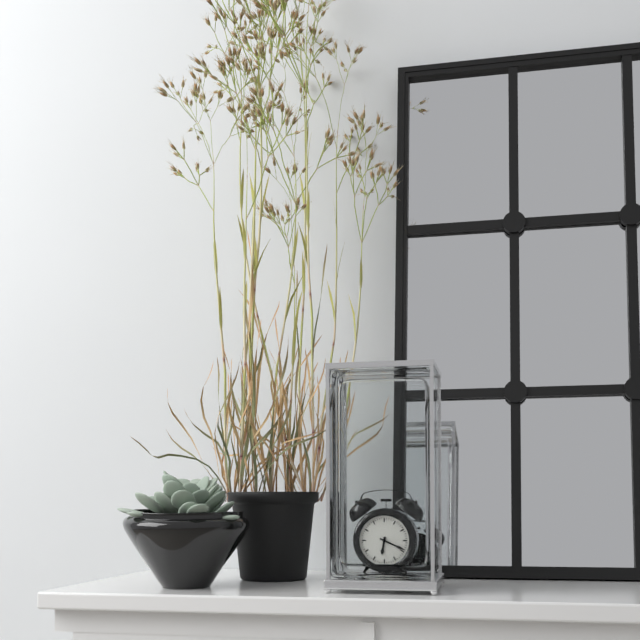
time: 6:19
